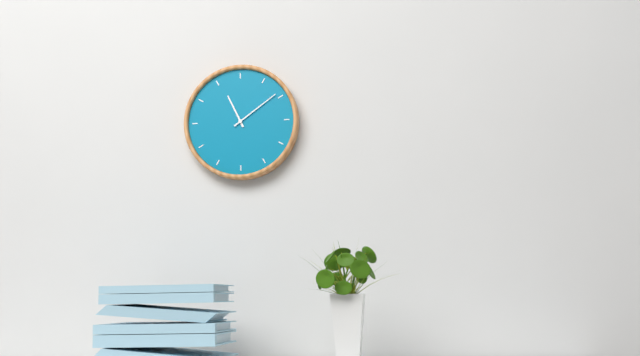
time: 11:09
